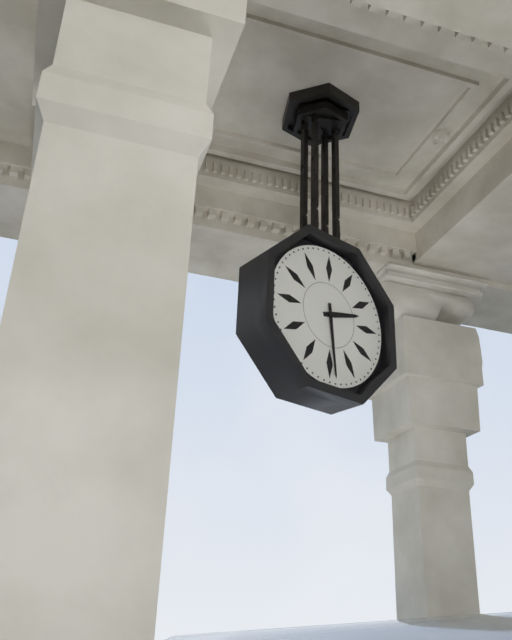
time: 2:29
